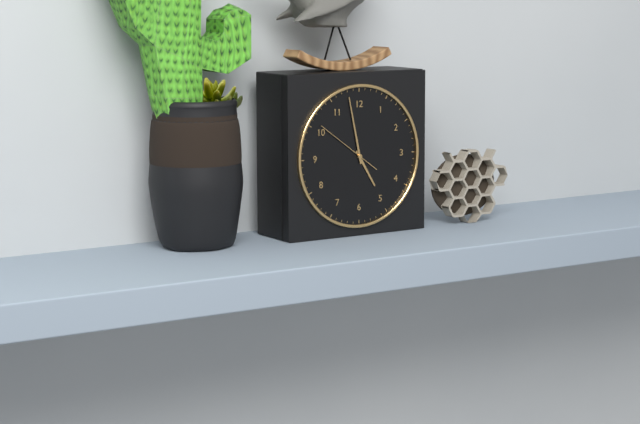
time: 4:58:51
